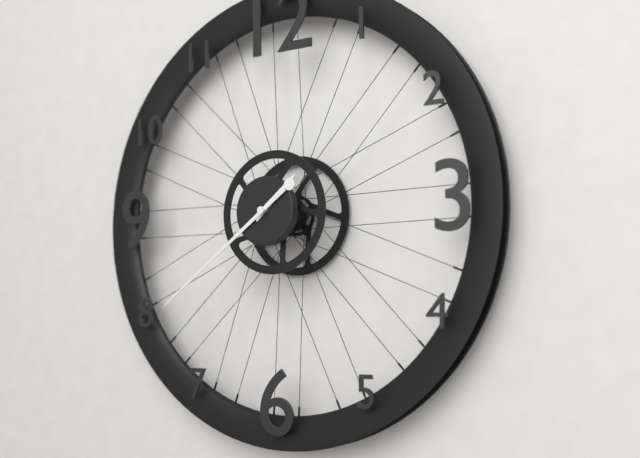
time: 1:39
